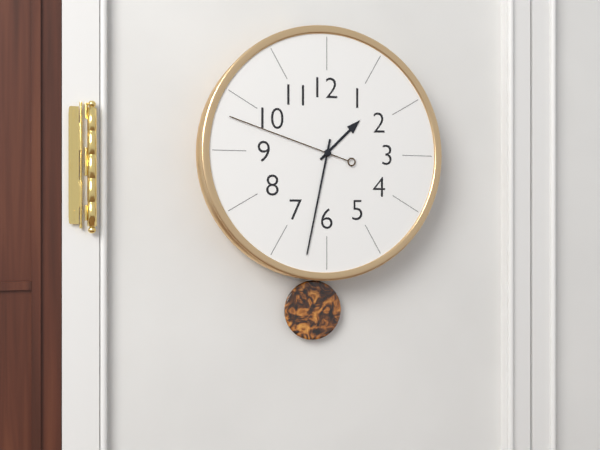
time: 1:32:48
